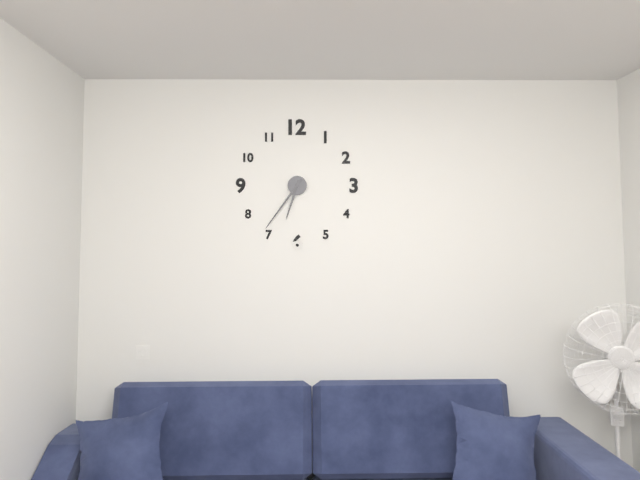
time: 6:36
